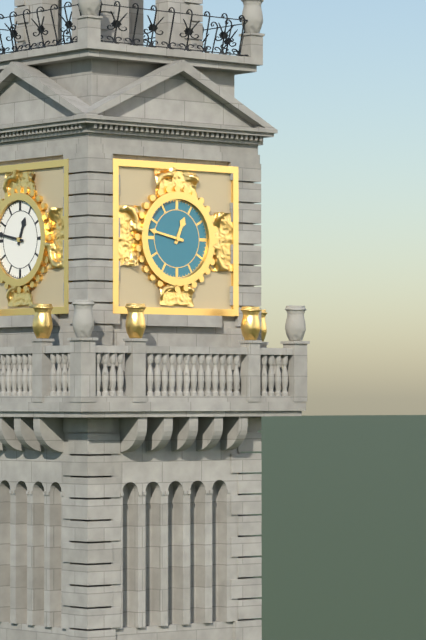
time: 12:47
